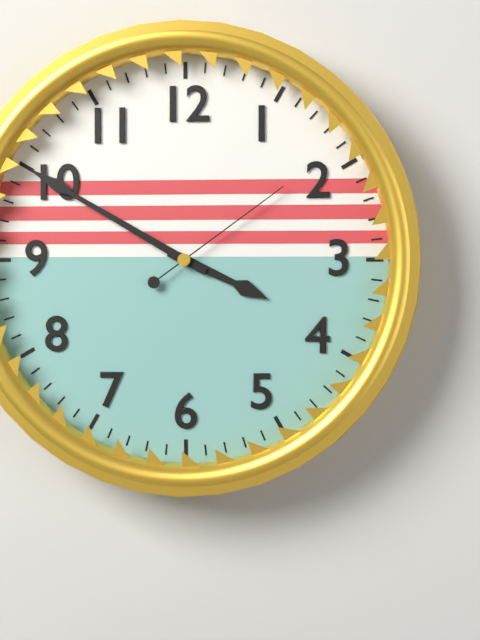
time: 3:50:09
